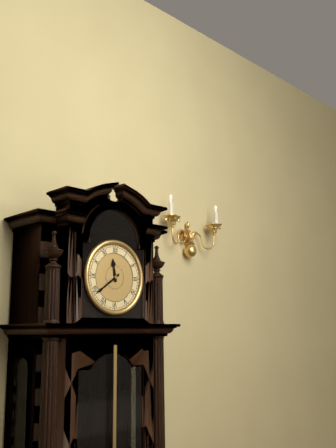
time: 11:39
